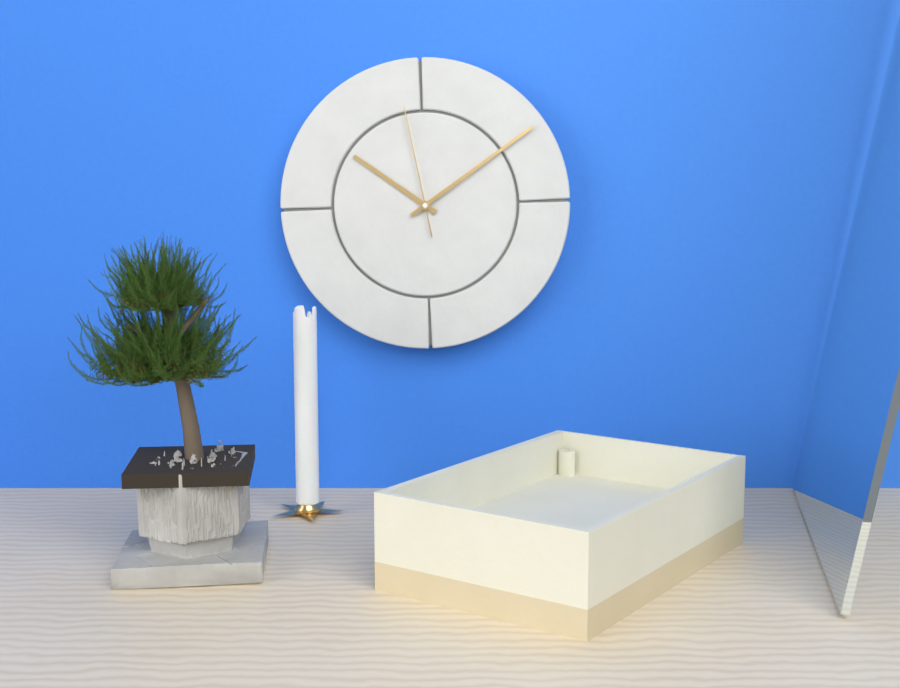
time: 10:09:58
